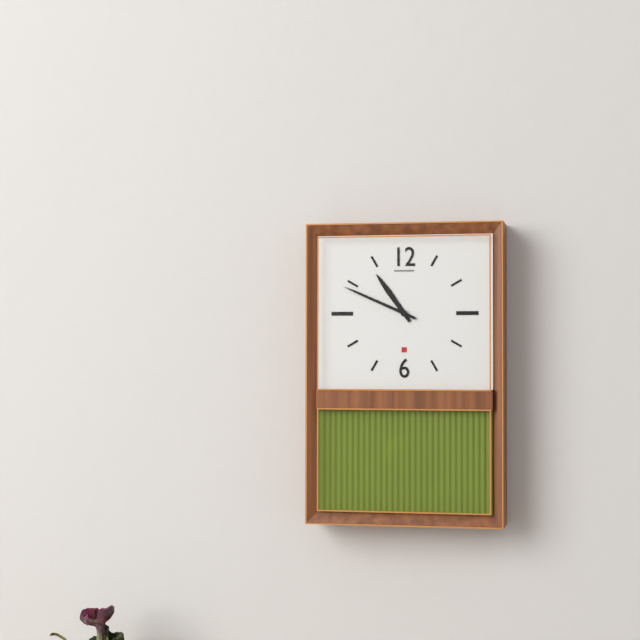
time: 10:49
